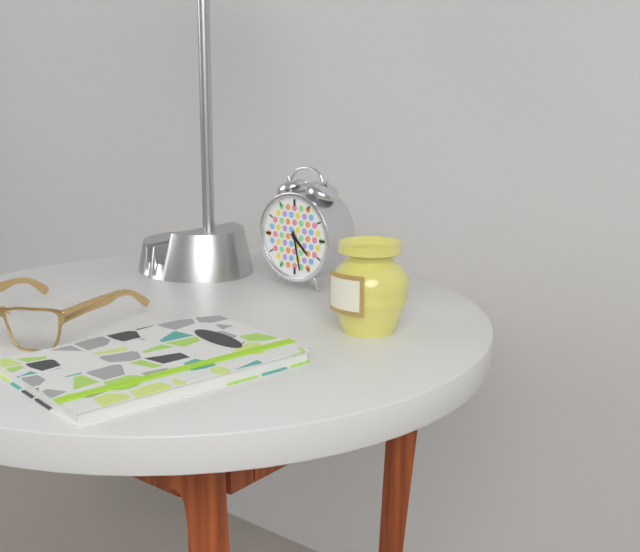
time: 4:28
